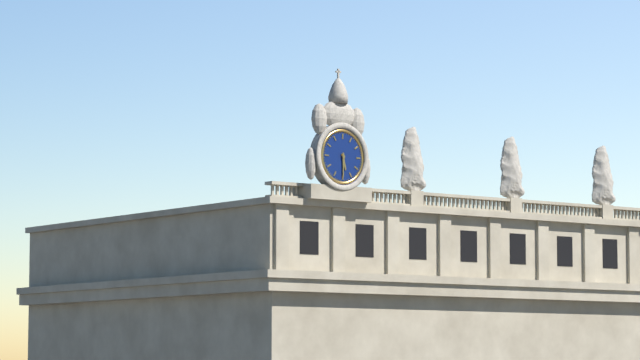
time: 5:30
